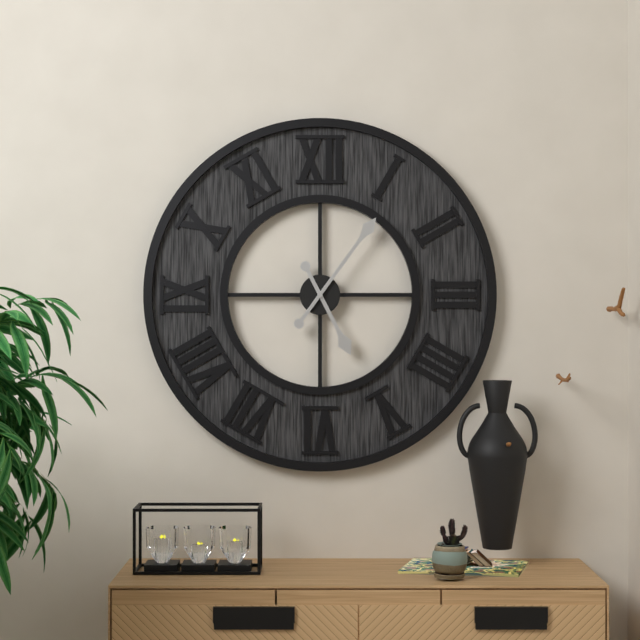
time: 5:06
